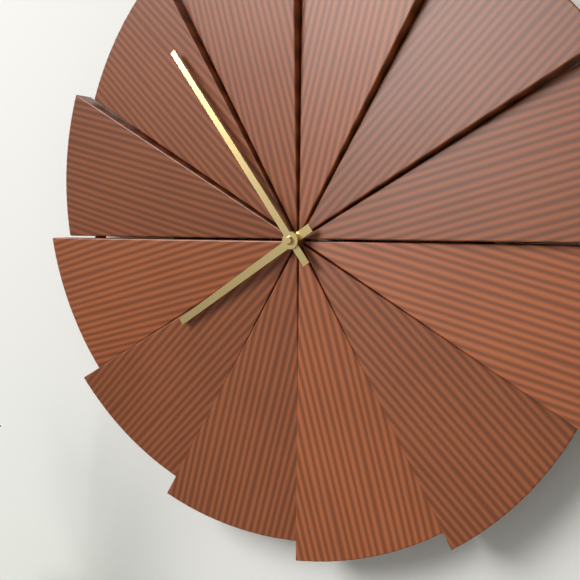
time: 7:54
